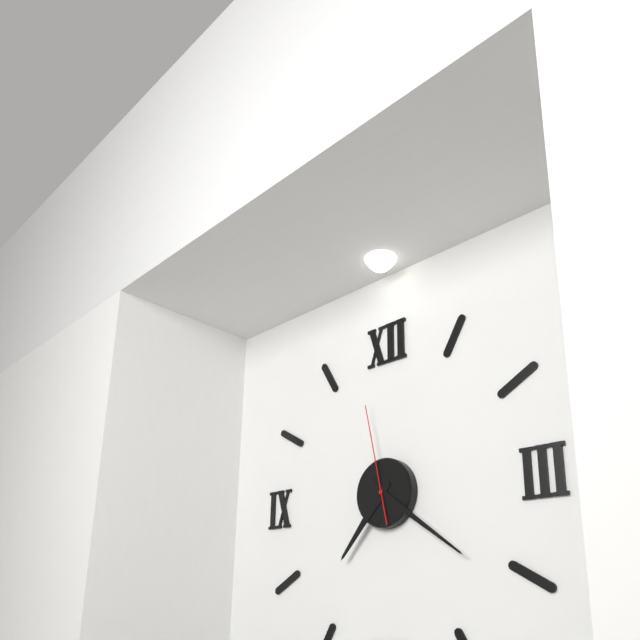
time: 7:21:58
